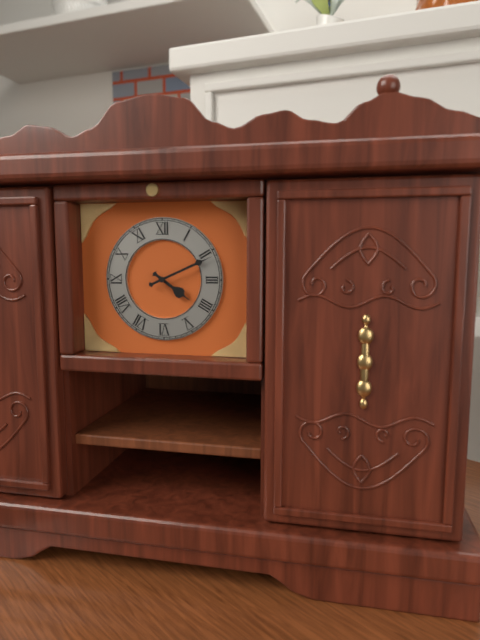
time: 4:11
